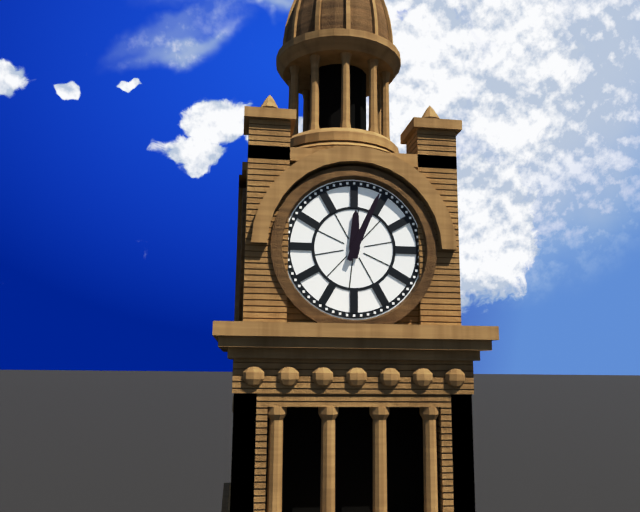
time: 12:04
